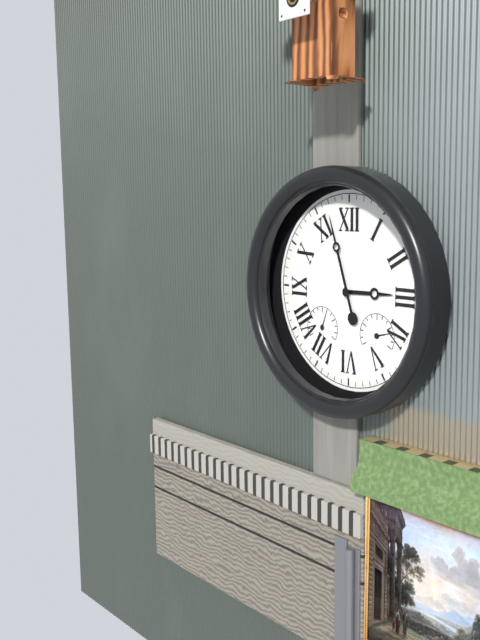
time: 2:57
